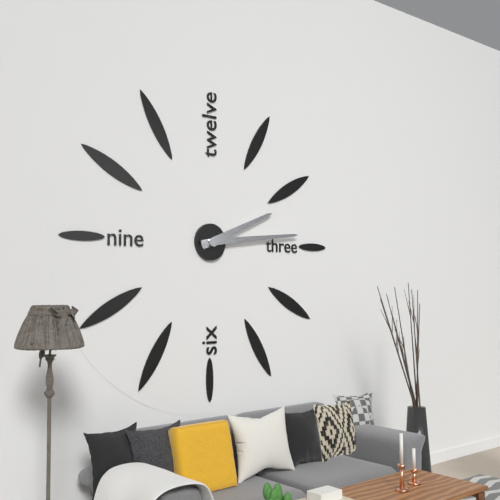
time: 2:14
